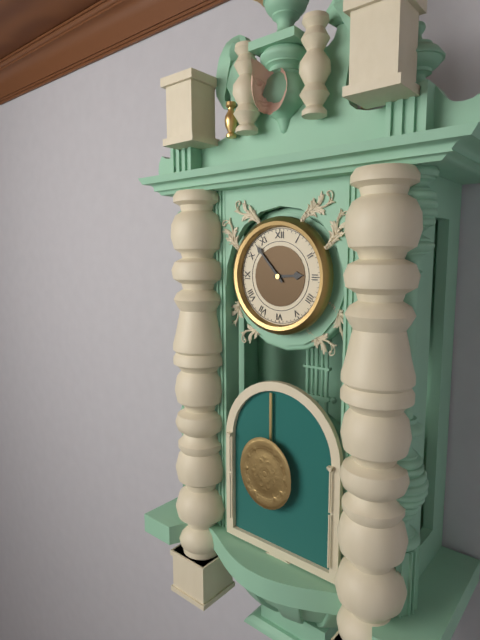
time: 2:53
